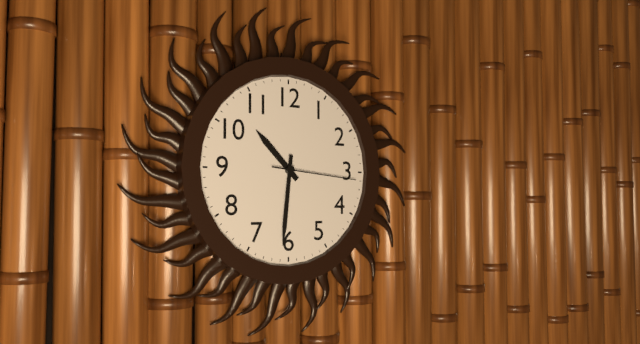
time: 10:31:16
